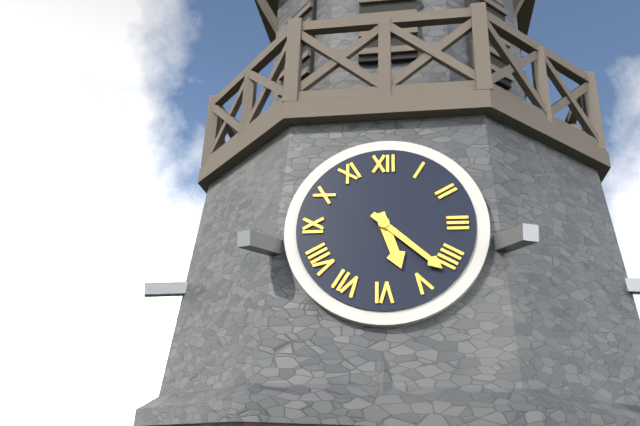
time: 5:22
